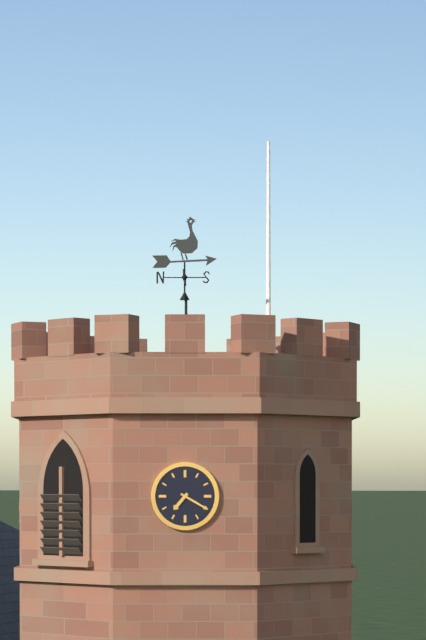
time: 7:20
